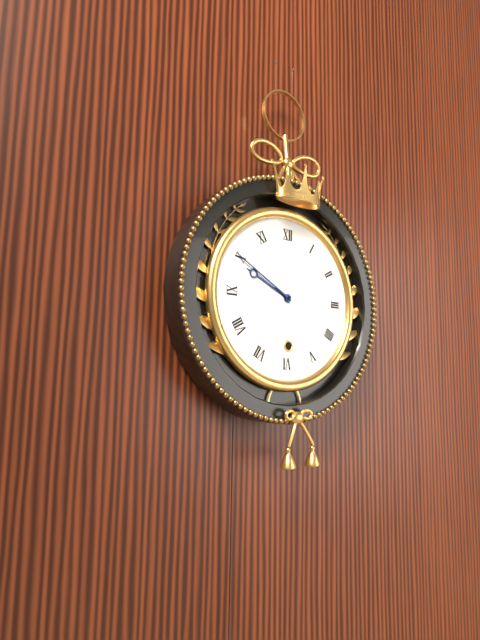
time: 9:50
